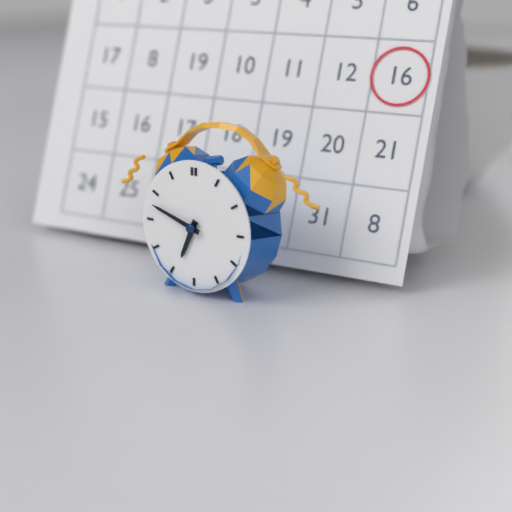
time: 6:48
